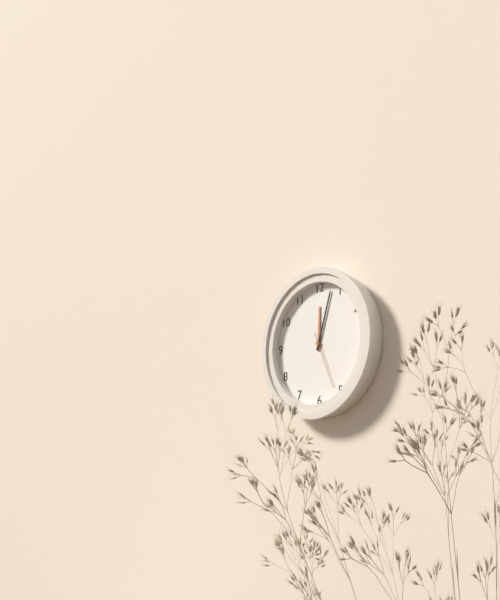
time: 12:03:26
